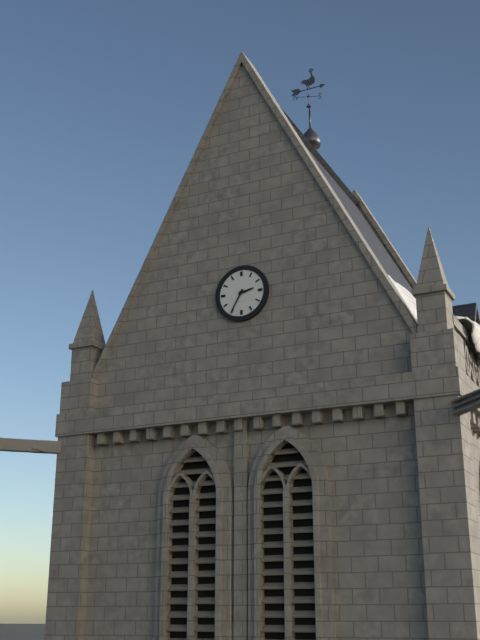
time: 2:35
